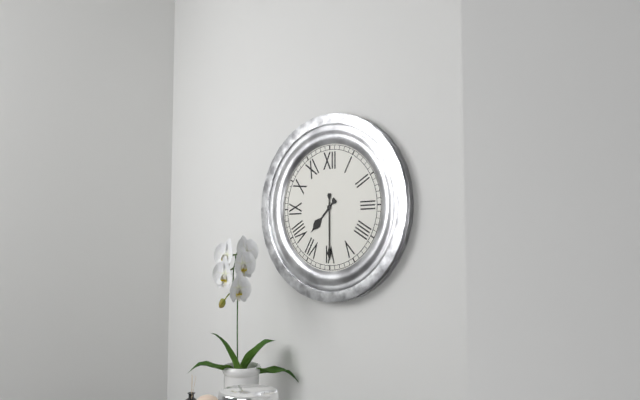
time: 7:30
